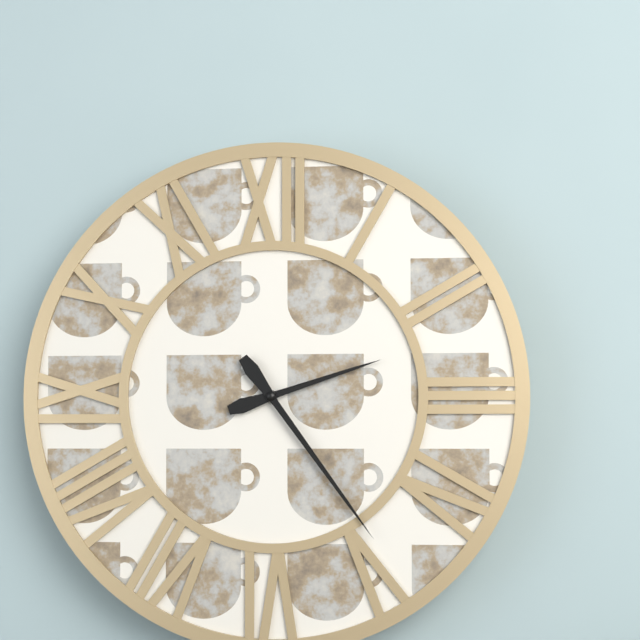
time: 2:24
